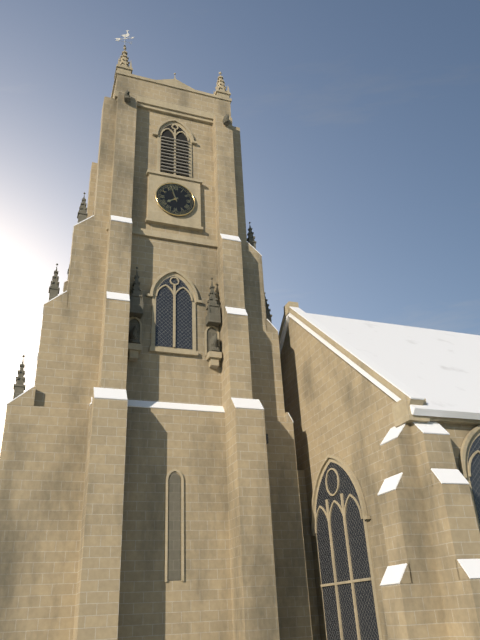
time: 7:57
